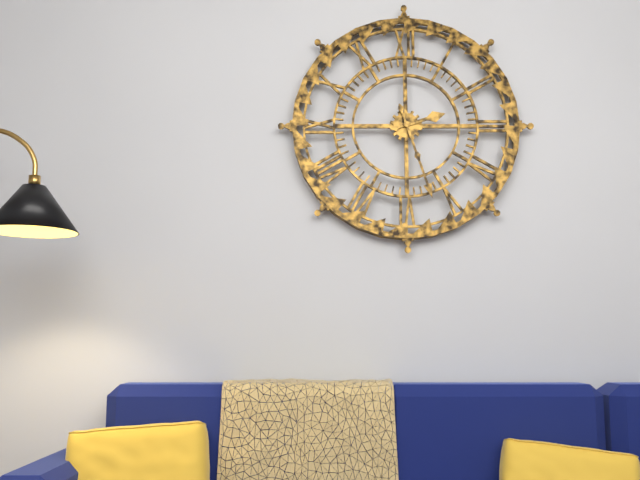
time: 2:27
